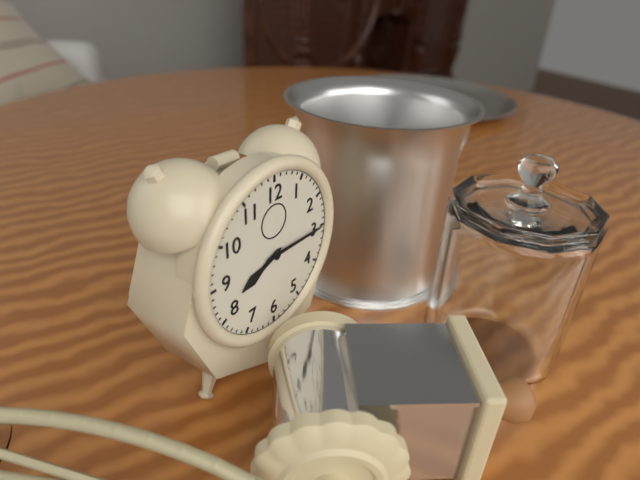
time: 8:15
